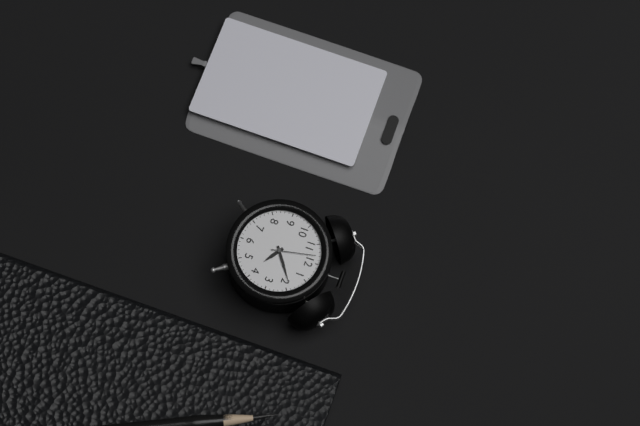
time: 4:09
